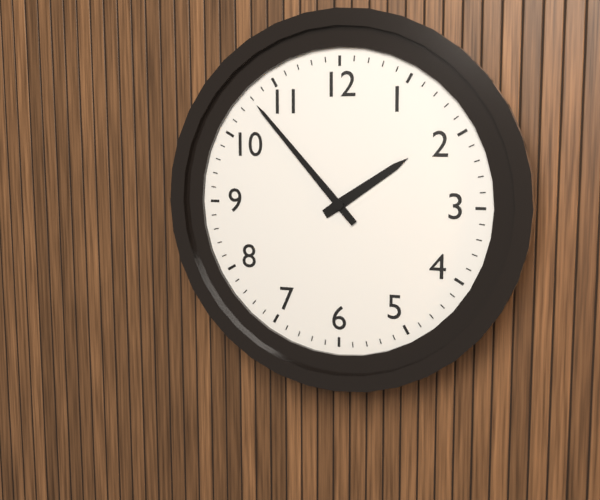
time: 1:53
